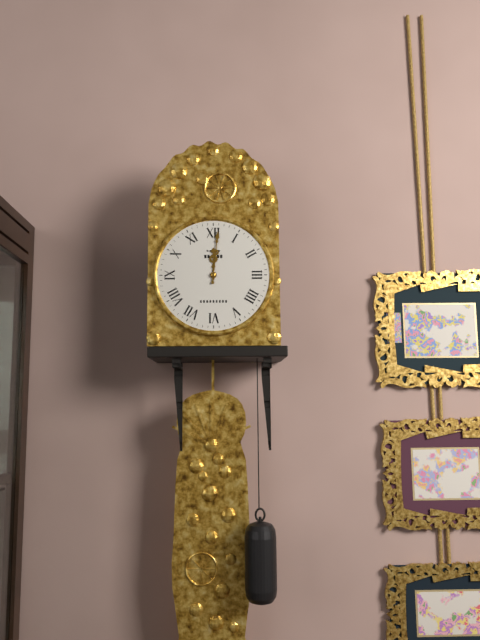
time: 12:01
